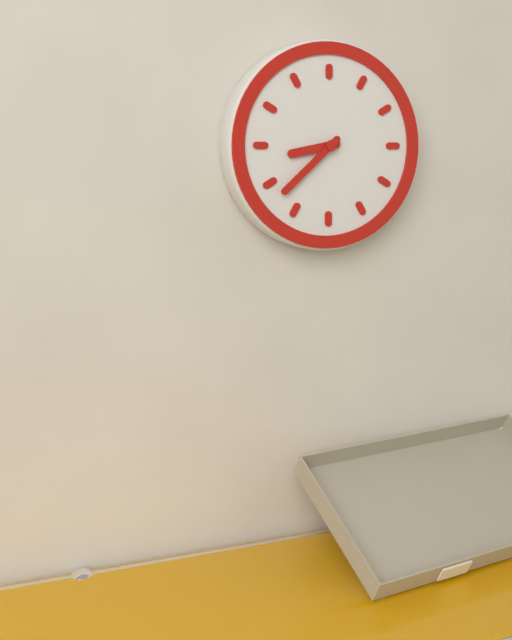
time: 8:38
